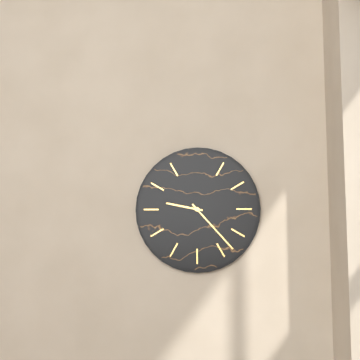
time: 9:23
